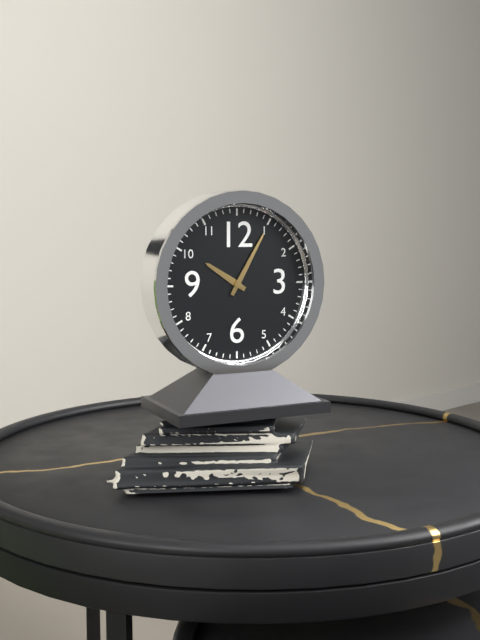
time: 10:05
